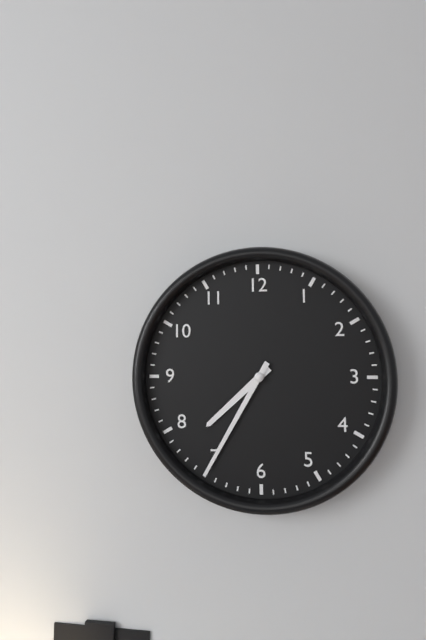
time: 7:35
